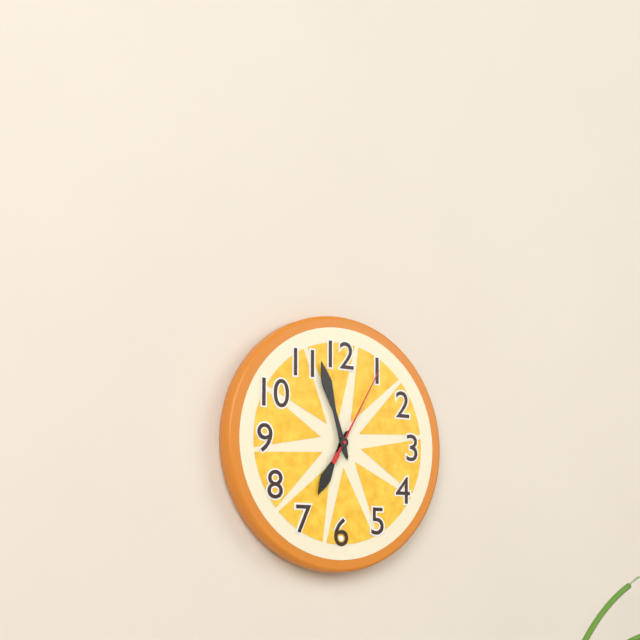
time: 6:57:05
